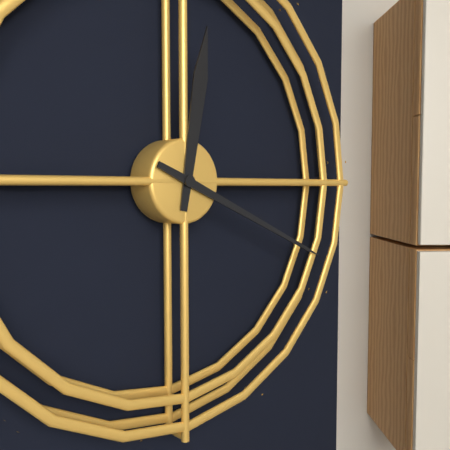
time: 12:19
